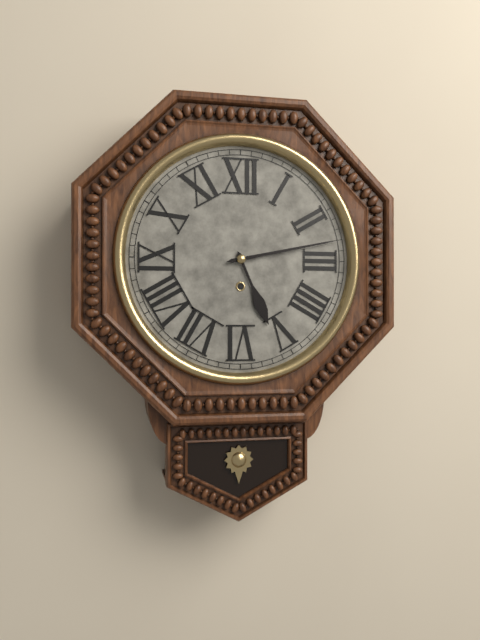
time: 5:13
